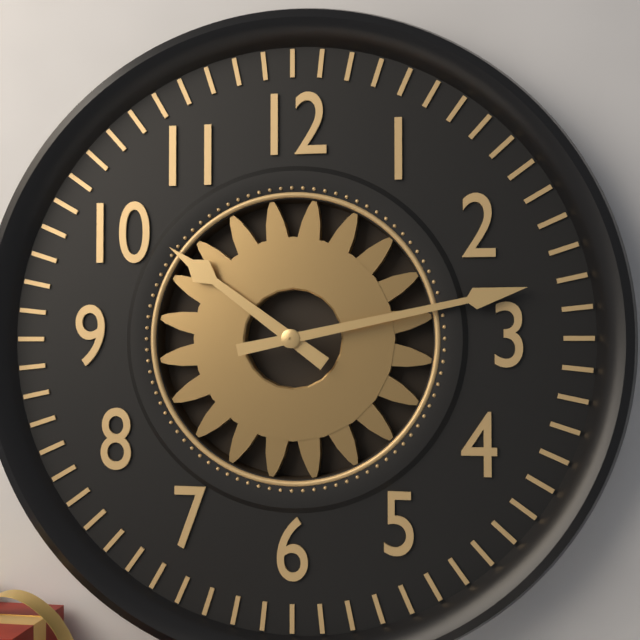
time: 10:13
